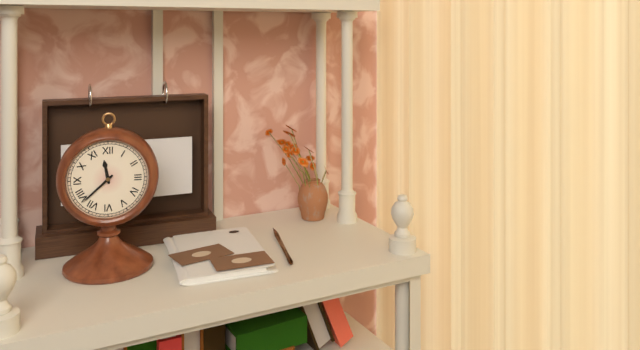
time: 11:38
